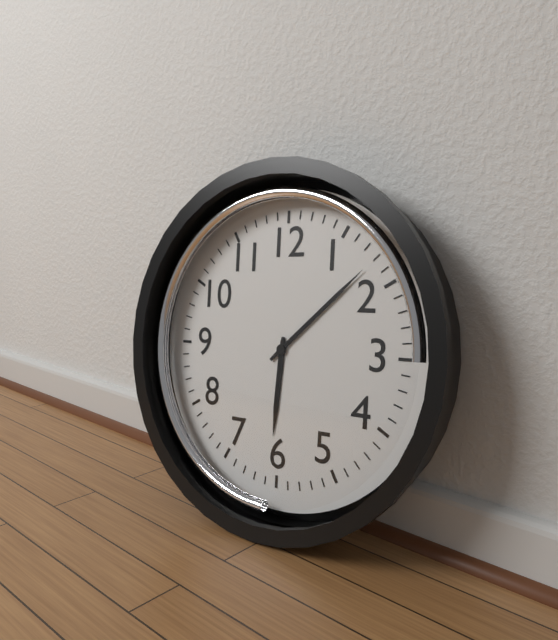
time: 6:08
